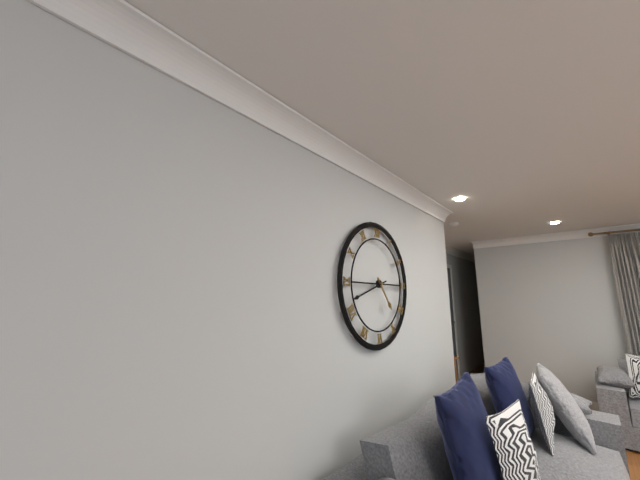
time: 4:42
